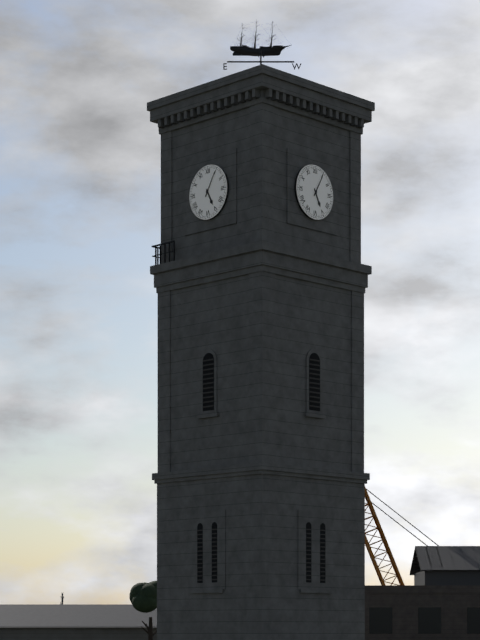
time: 5:05
